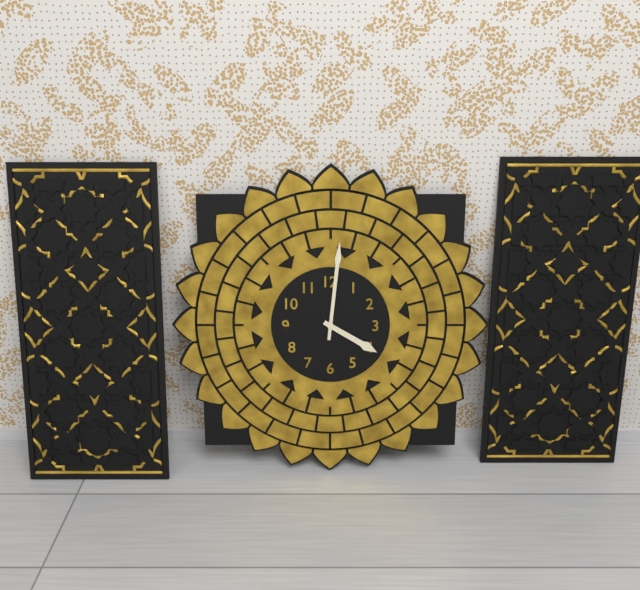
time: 4:01
